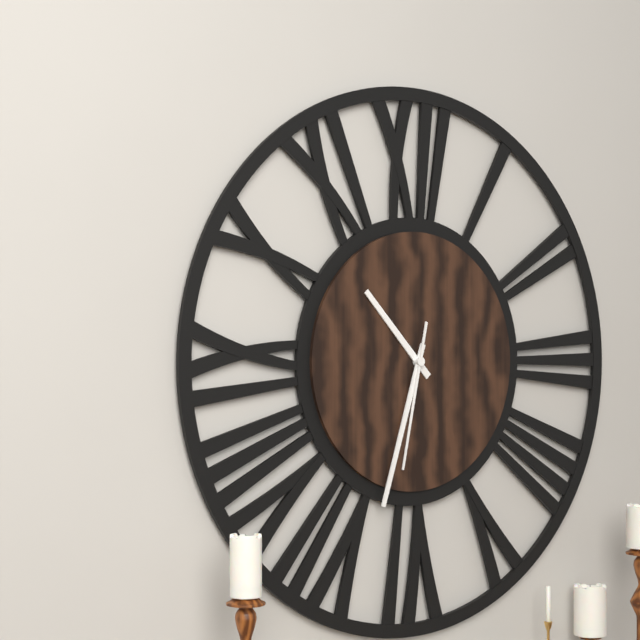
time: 10:33:32
